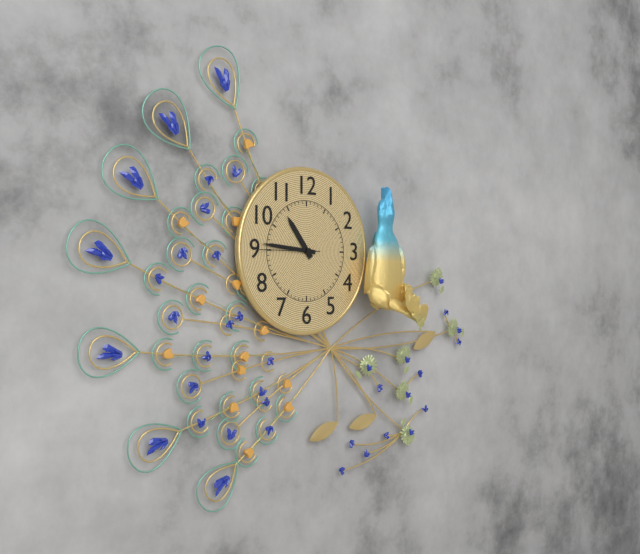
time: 10:46:45
